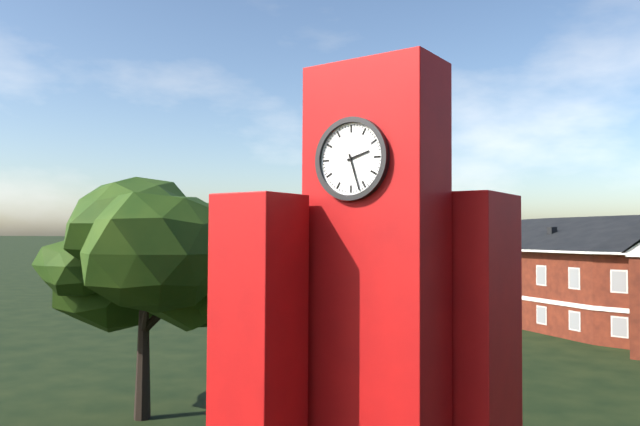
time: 2:27
